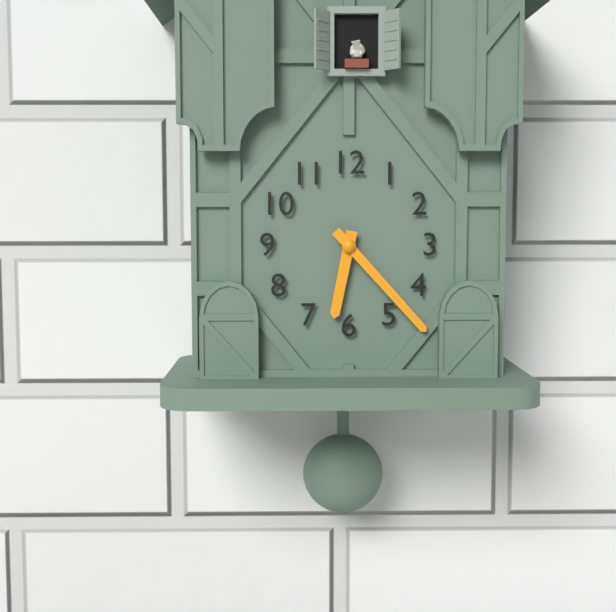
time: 6:23
